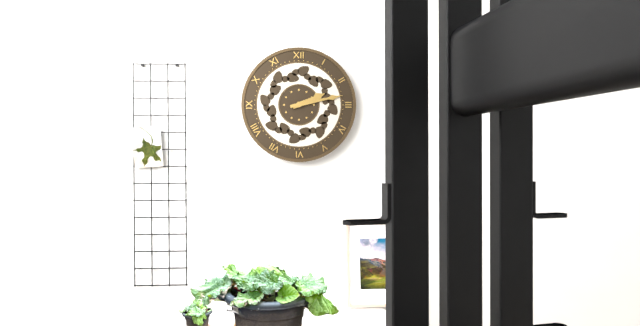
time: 2:13
